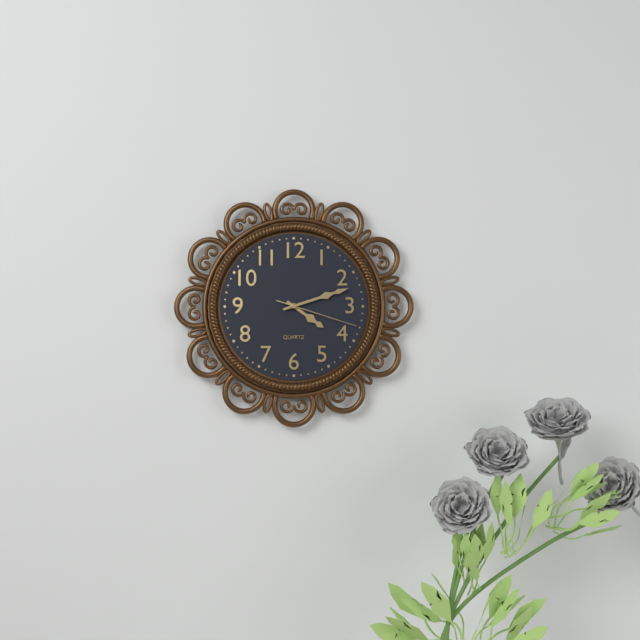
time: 4:12:18
